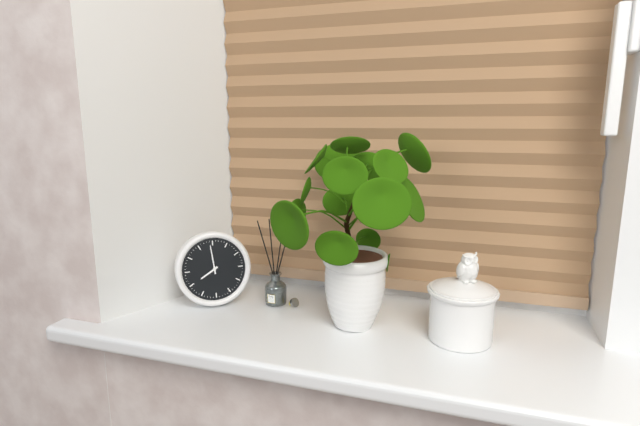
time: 7:59
